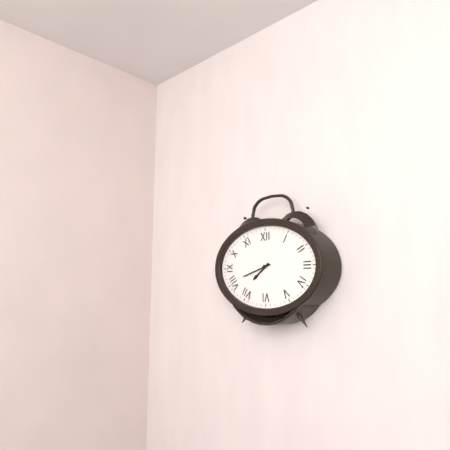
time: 7:42
